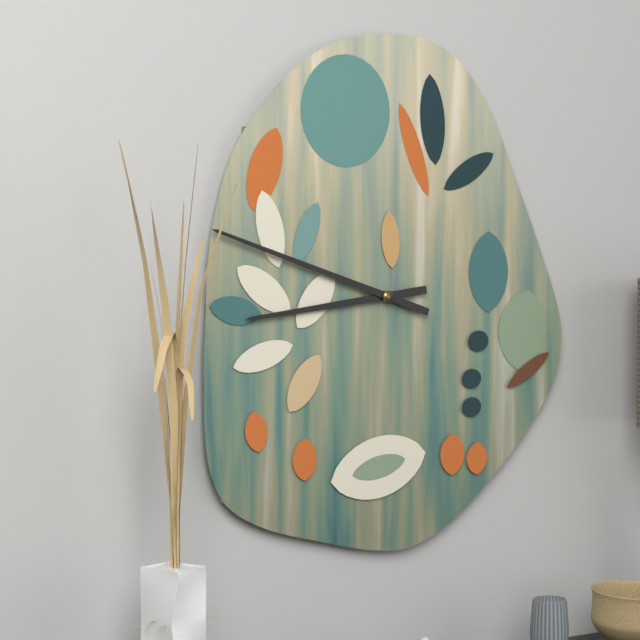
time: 8:48
